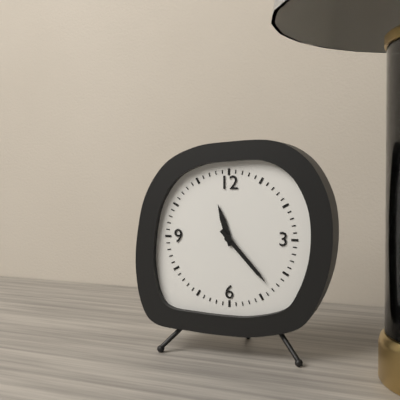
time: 11:23
